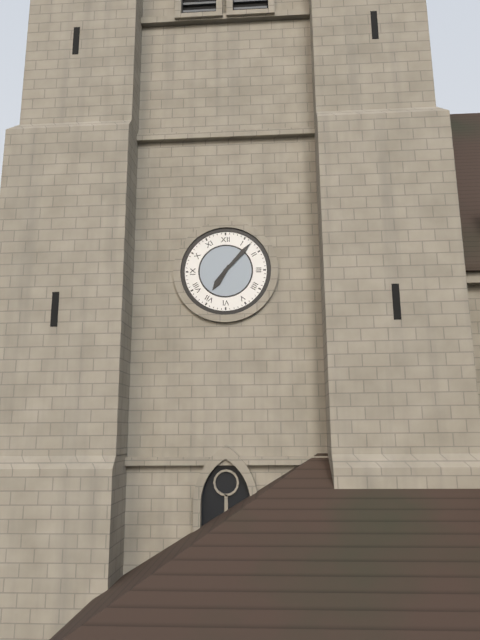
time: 7:07
